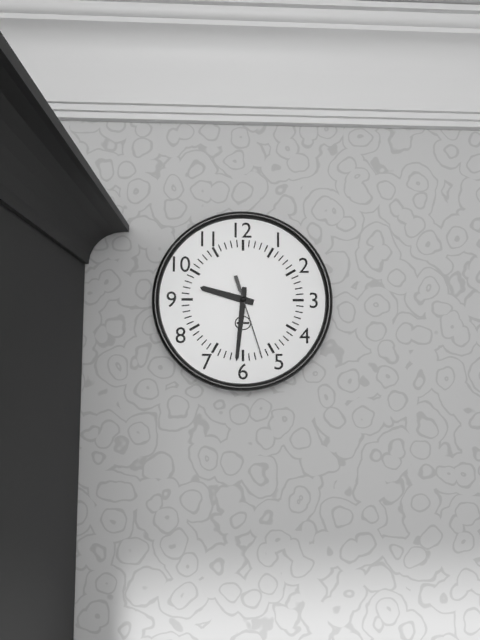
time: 9:31:27
